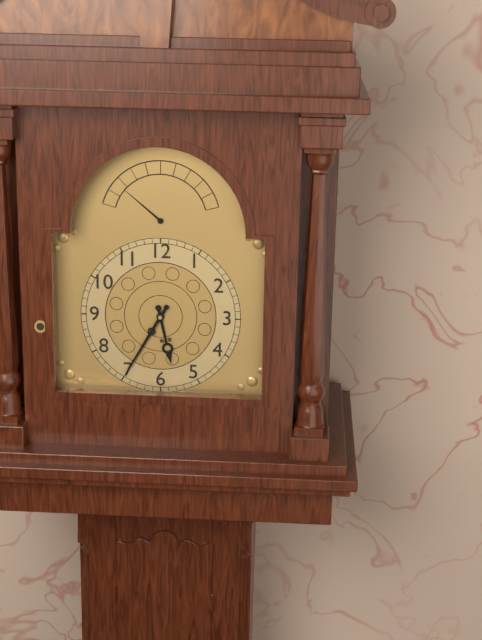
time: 5:35
